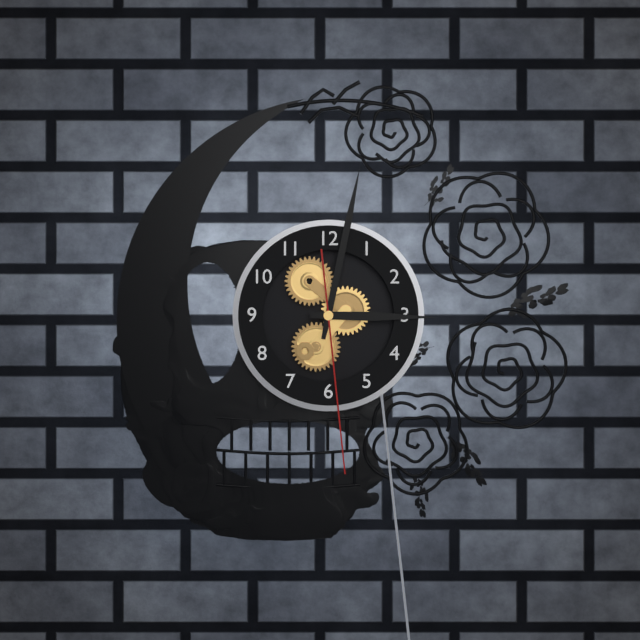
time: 3:02:29
